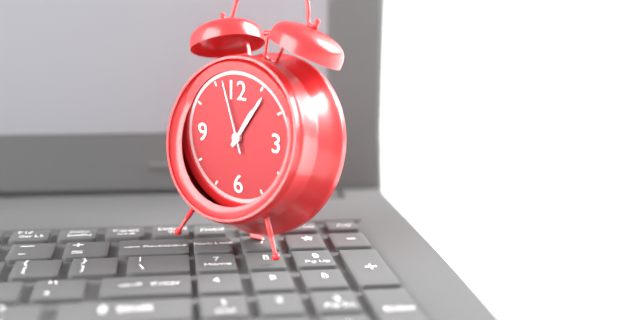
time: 1:06:57
